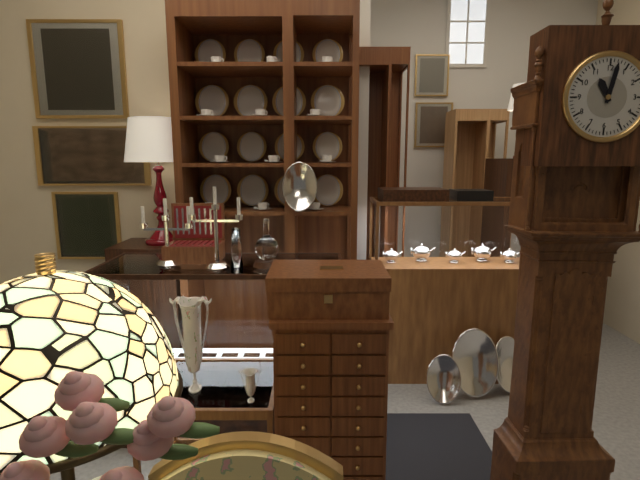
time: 11:02
